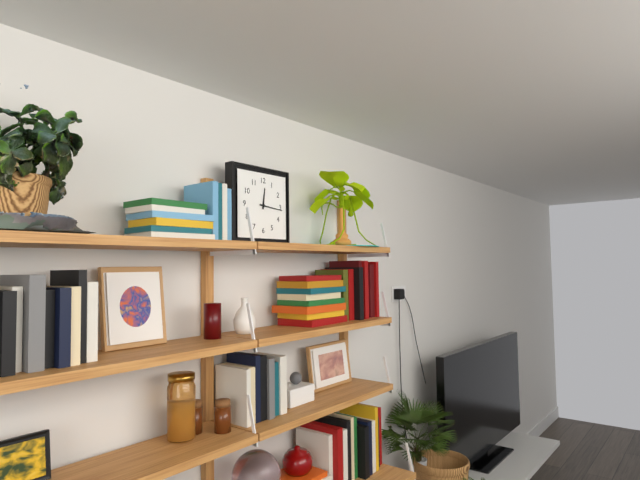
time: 12:16
